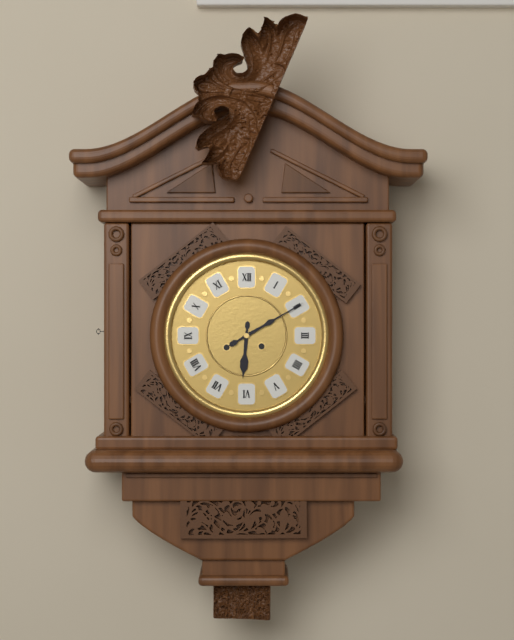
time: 6:10
